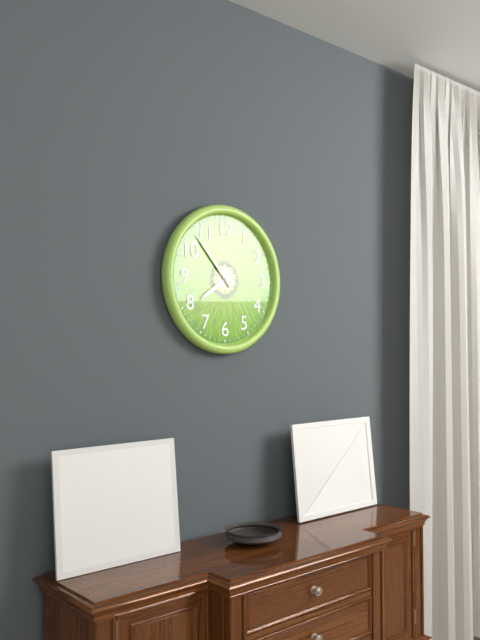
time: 7:53
